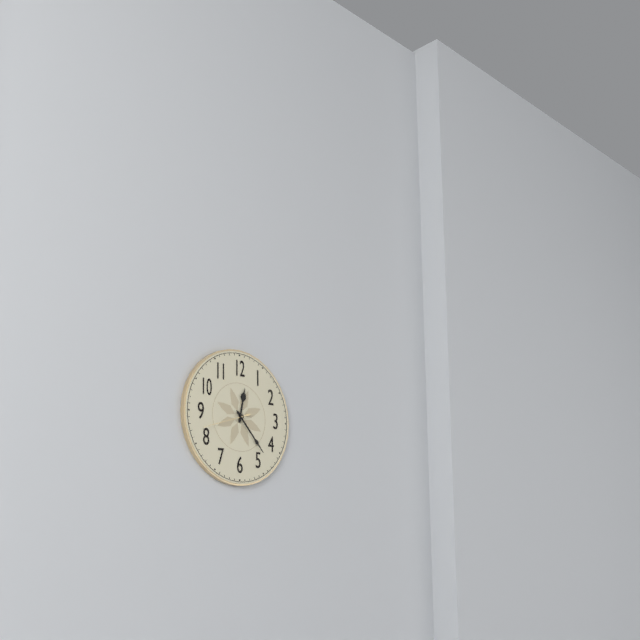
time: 12:23:42
